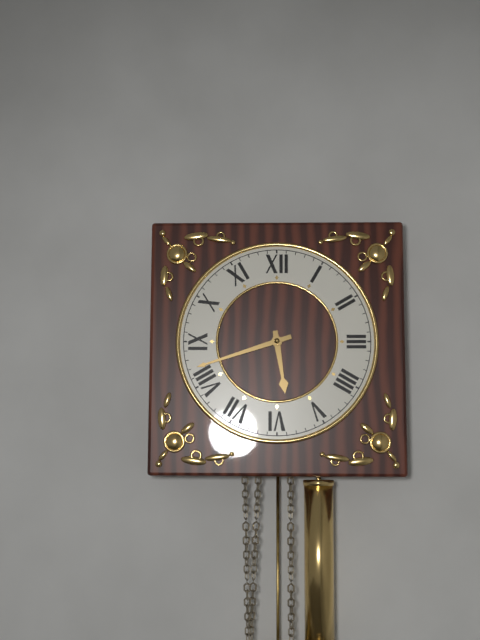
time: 5:42
